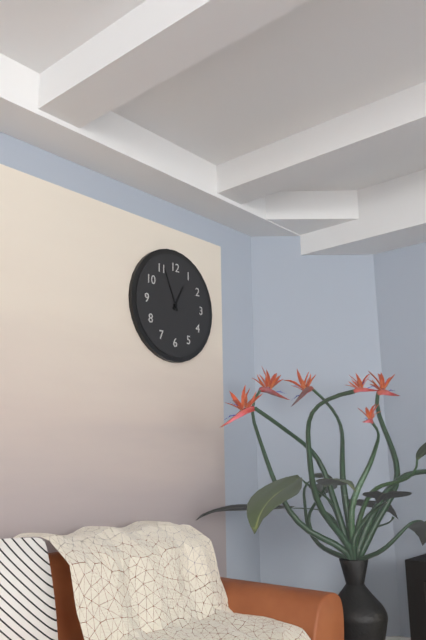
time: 12:56
